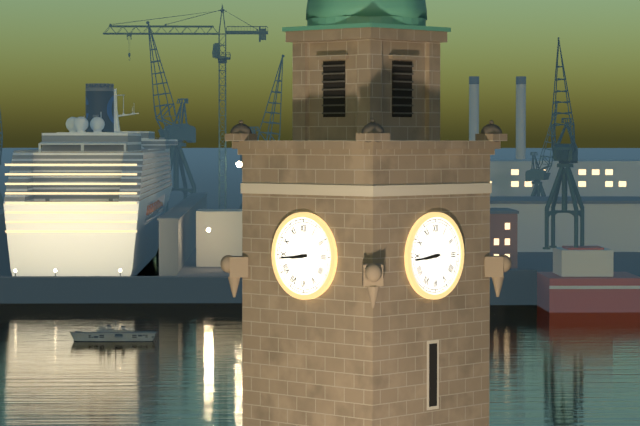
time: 8:44
